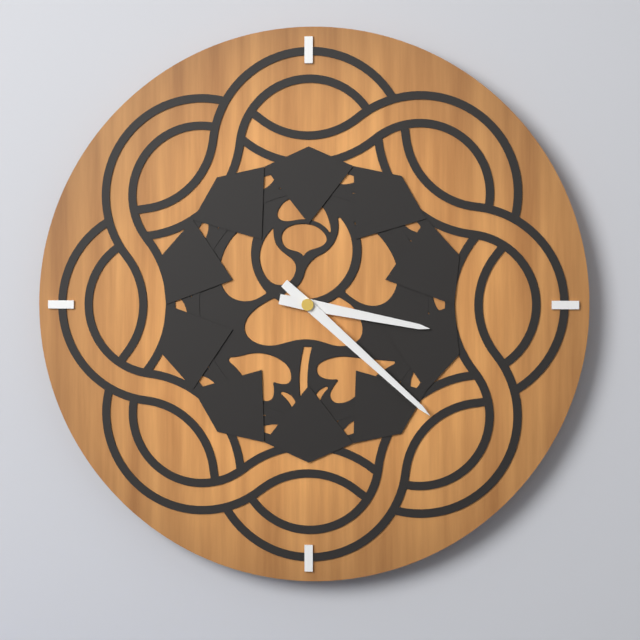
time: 3:22
